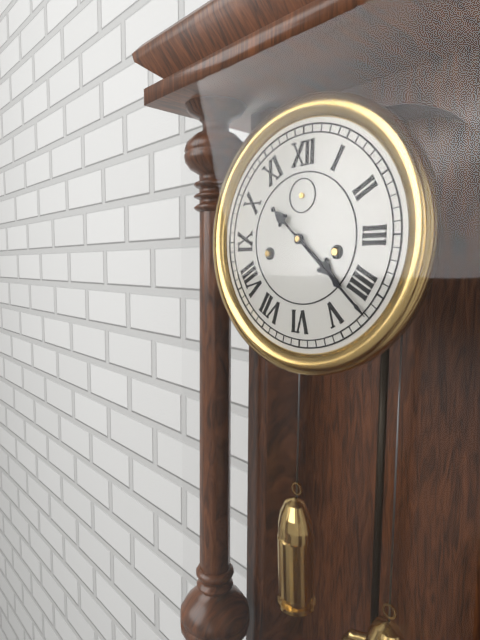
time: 4:22
